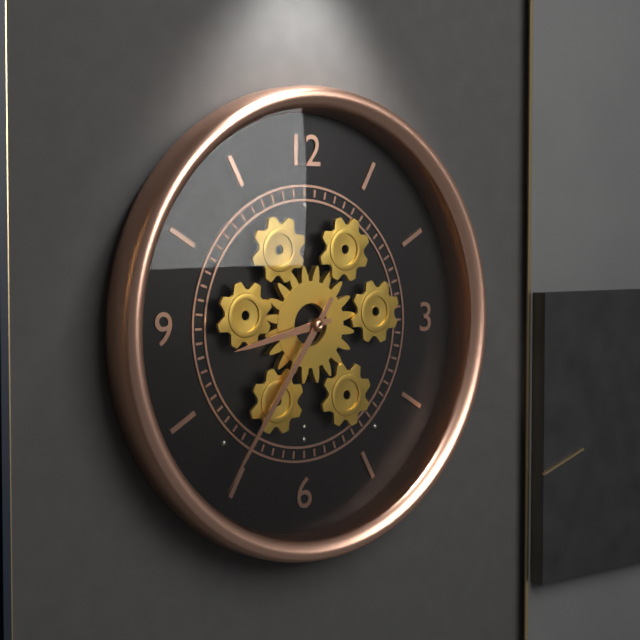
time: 8:36
